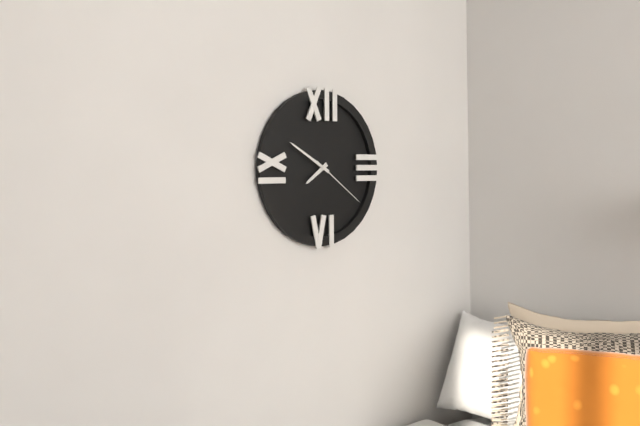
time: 7:50:21
